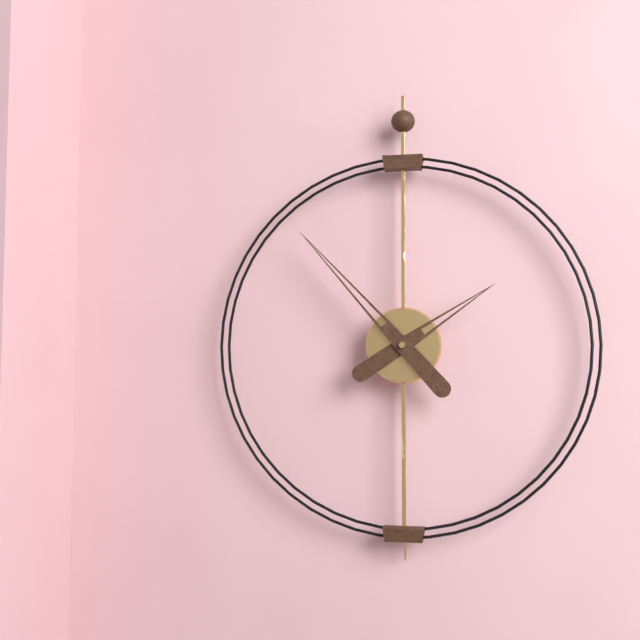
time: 1:53
